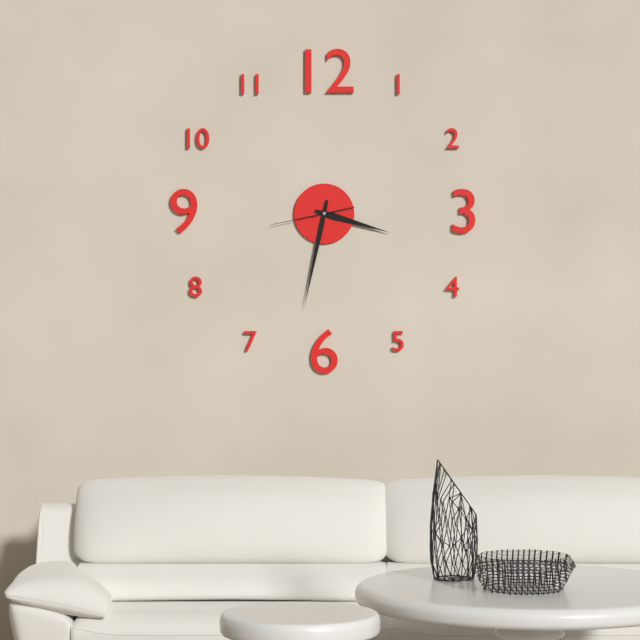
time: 3:32:43
